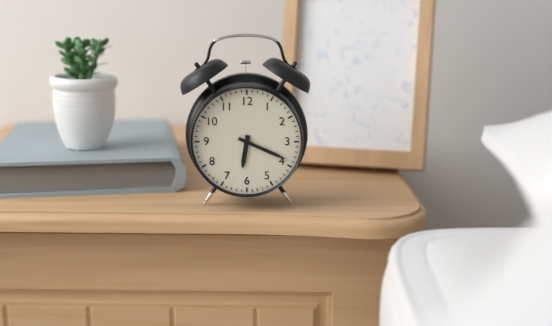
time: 6:19
